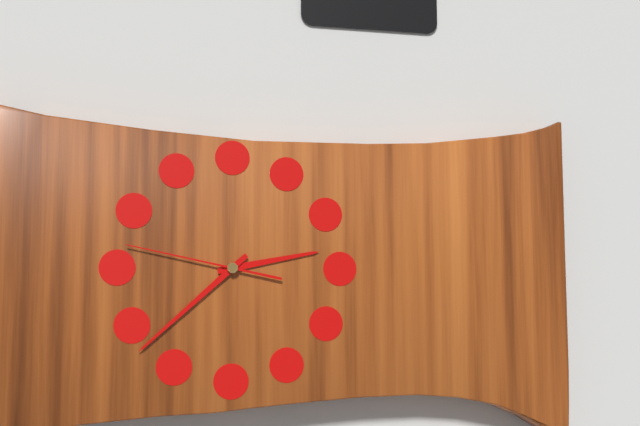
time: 2:38:47
